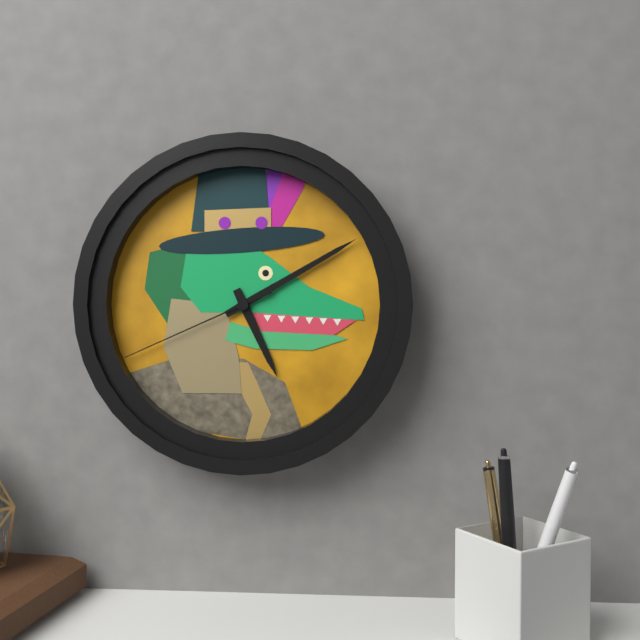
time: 5:10:41
